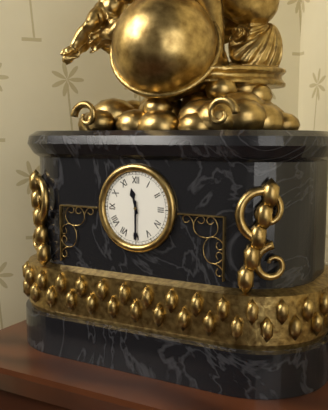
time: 11:30
